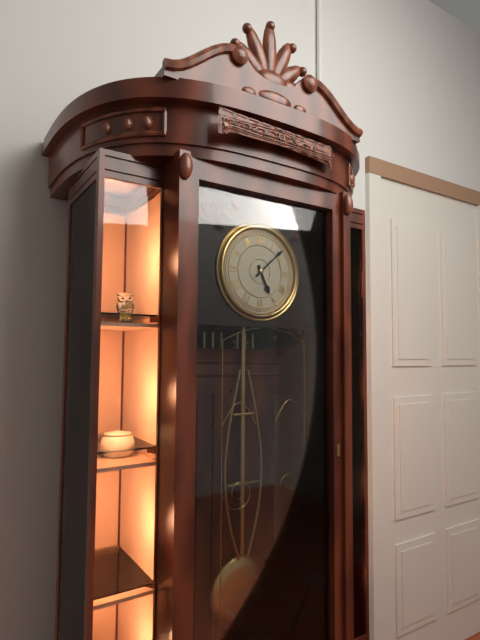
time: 5:08
